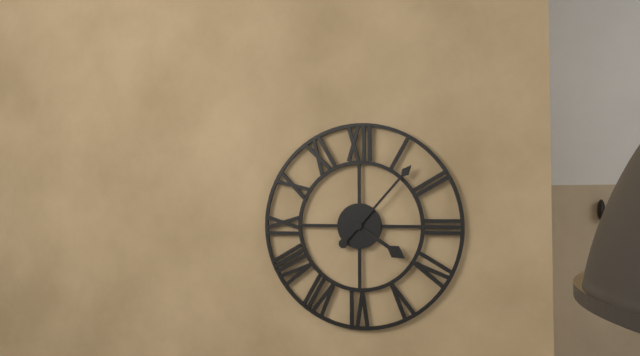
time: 4:07
